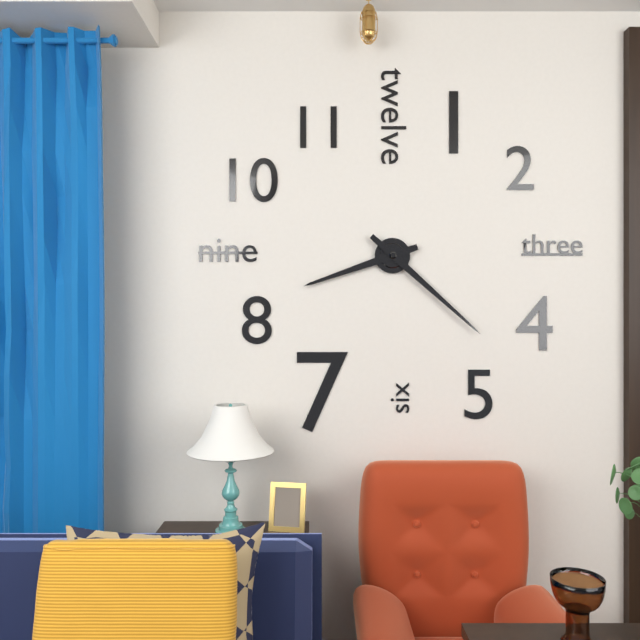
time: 8:22
